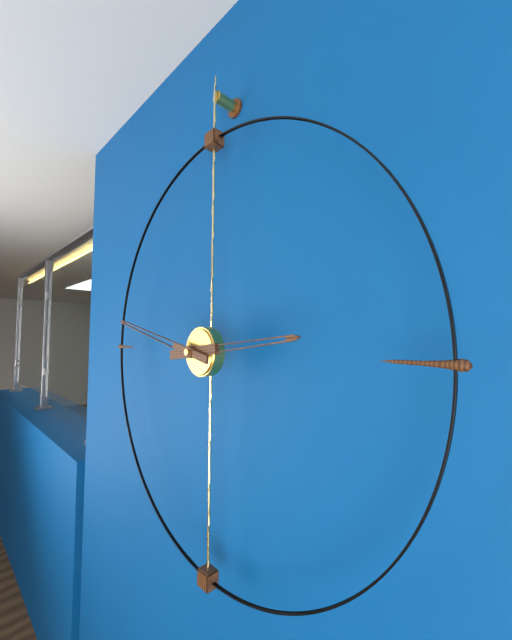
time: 2:47
